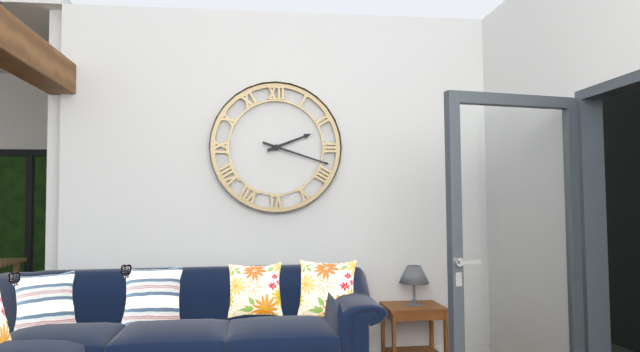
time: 2:18
